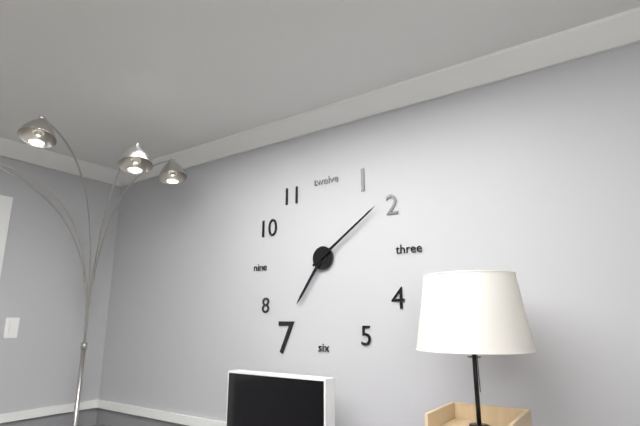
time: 7:09
